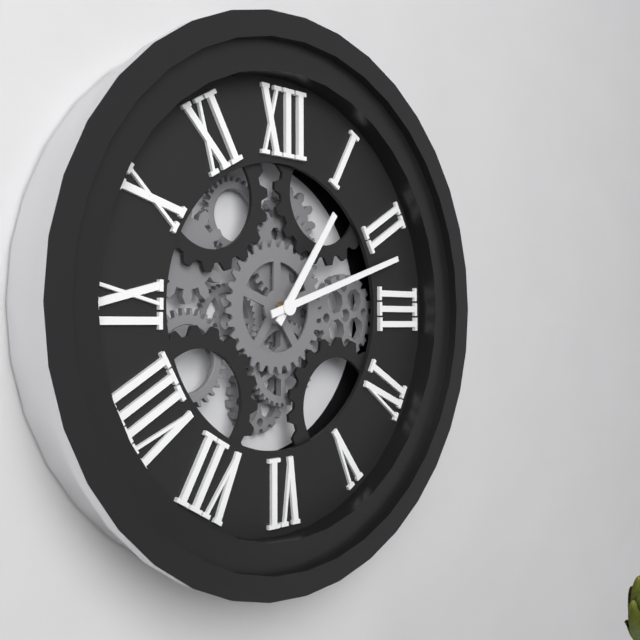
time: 1:12
